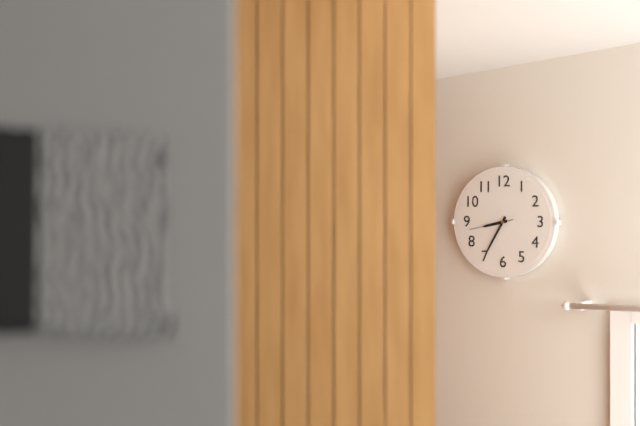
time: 8:35
